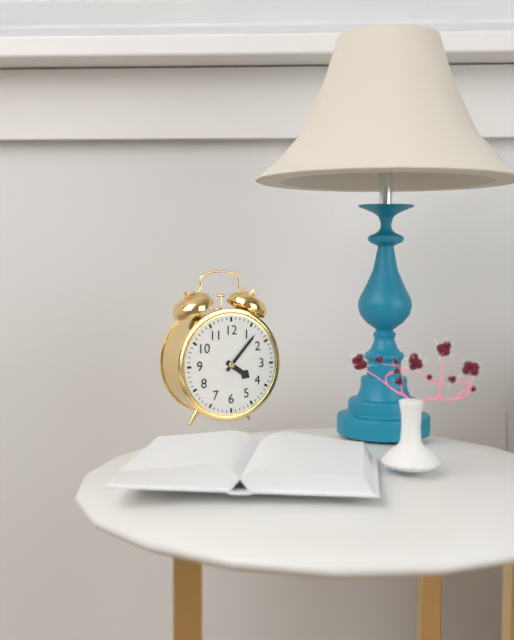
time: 4:07
